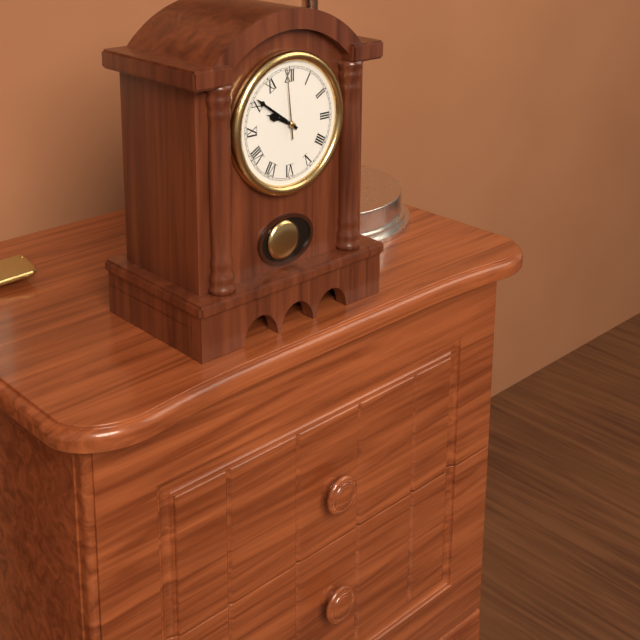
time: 9:51:59
